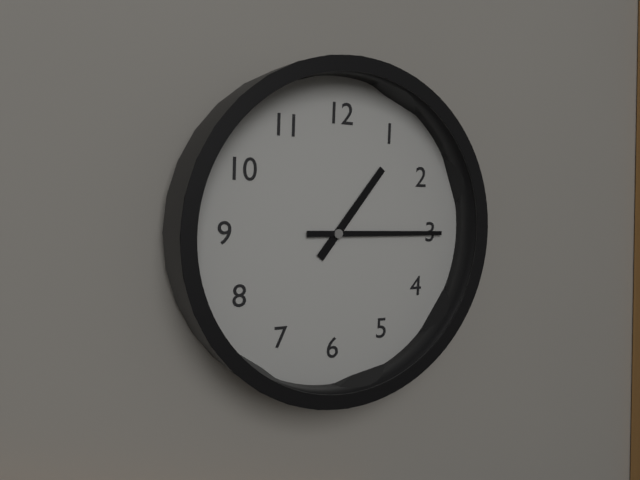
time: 1:15
